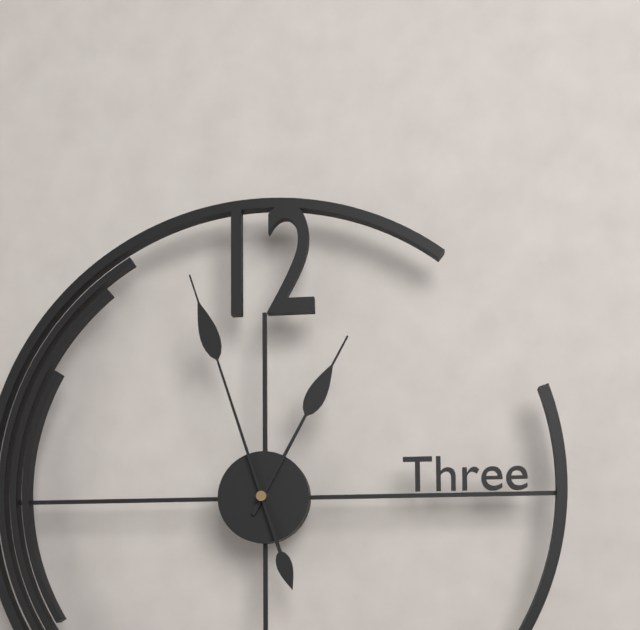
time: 12:57
